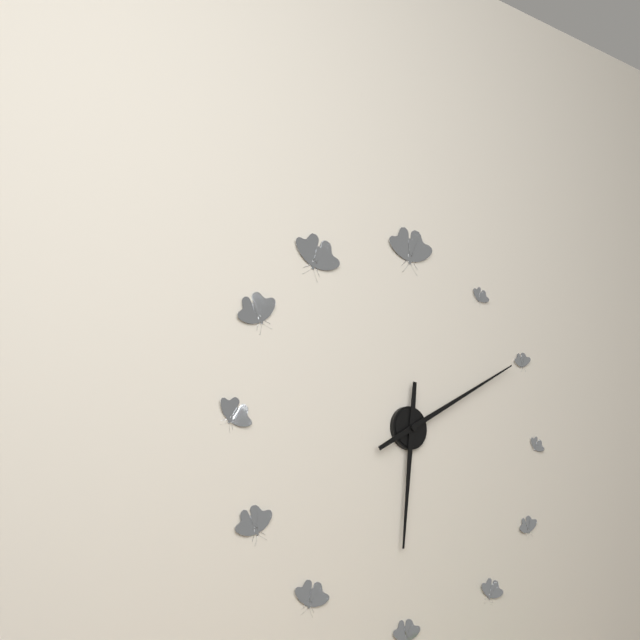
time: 6:10
